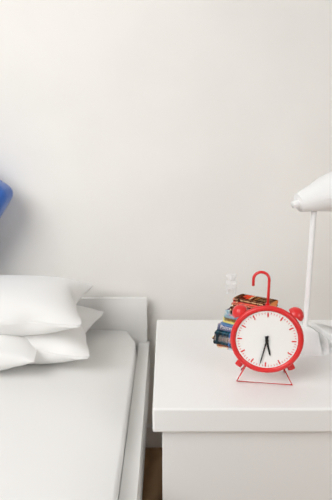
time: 5:32
